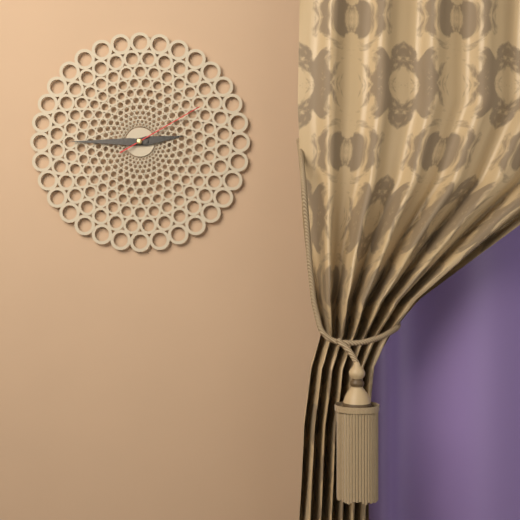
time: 2:45:10
